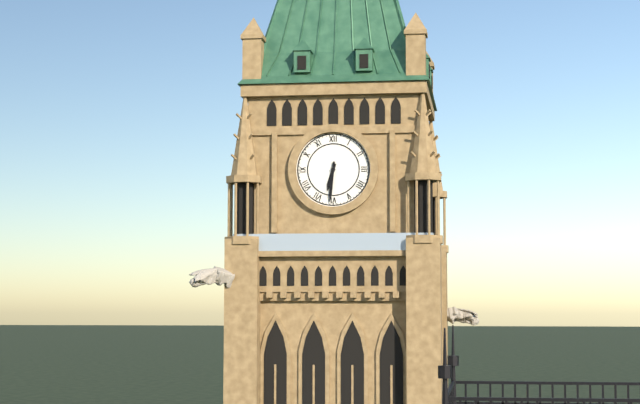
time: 6:31
